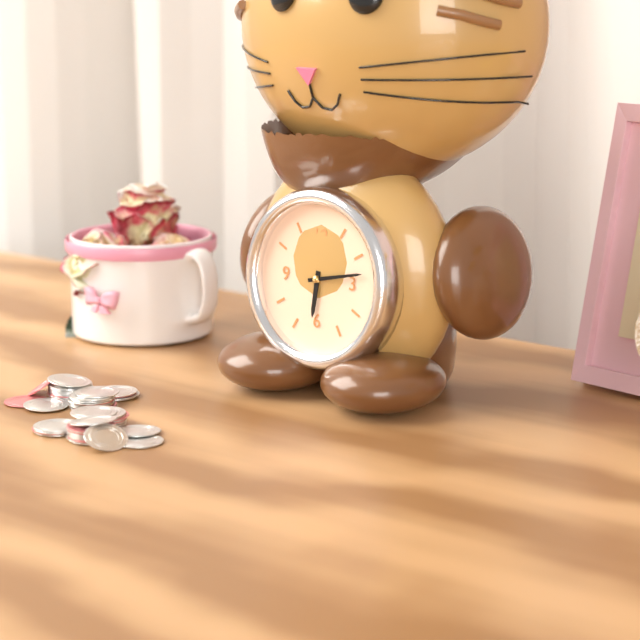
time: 6:13
